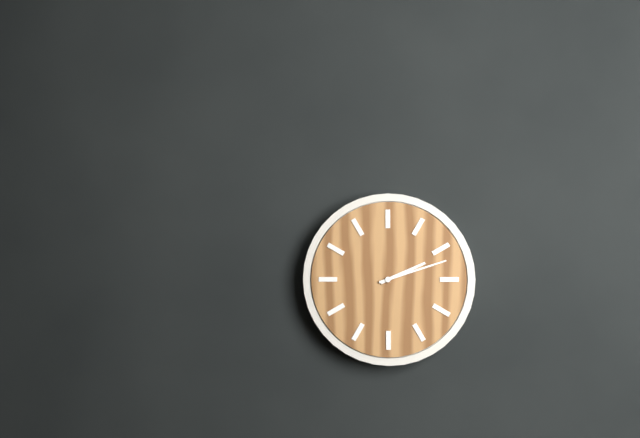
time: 2:12
